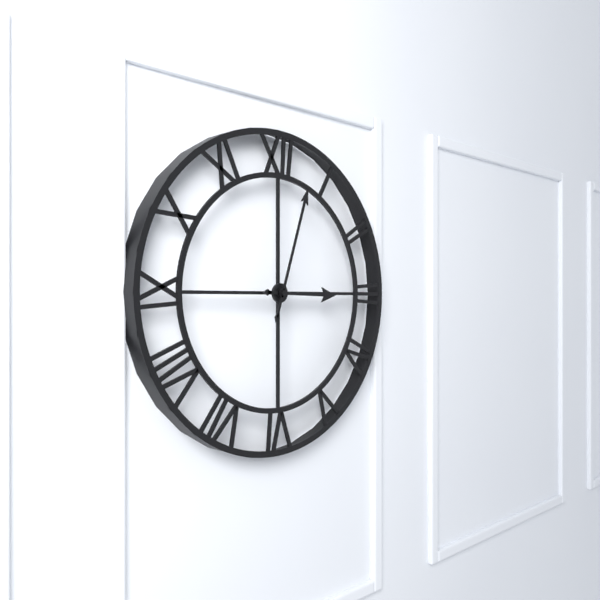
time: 3:03
